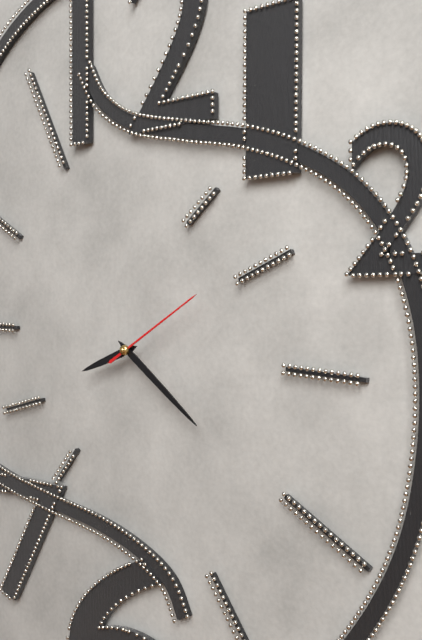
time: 8:21:10
